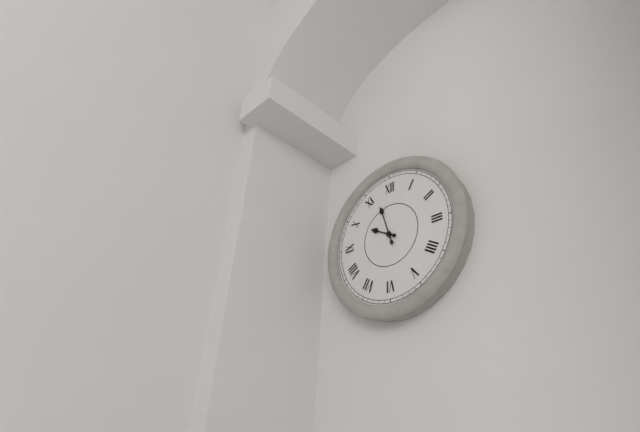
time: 9:57
